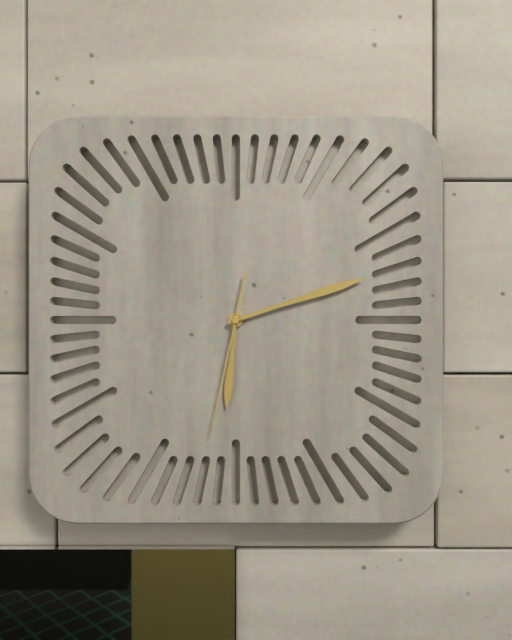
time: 6:12:32
